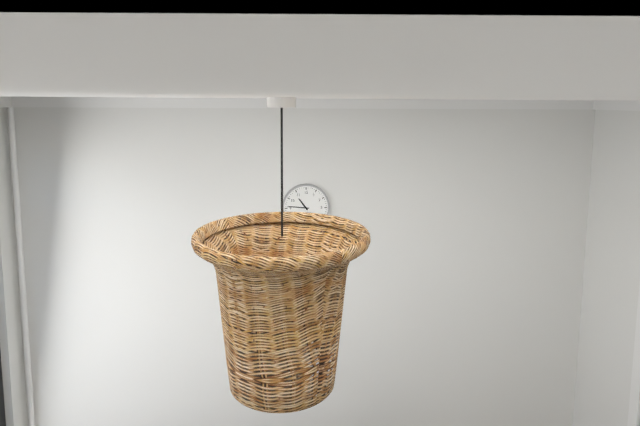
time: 10:46
